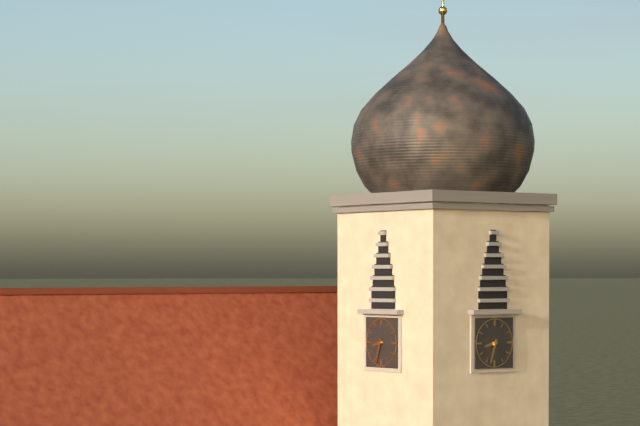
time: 8:33
